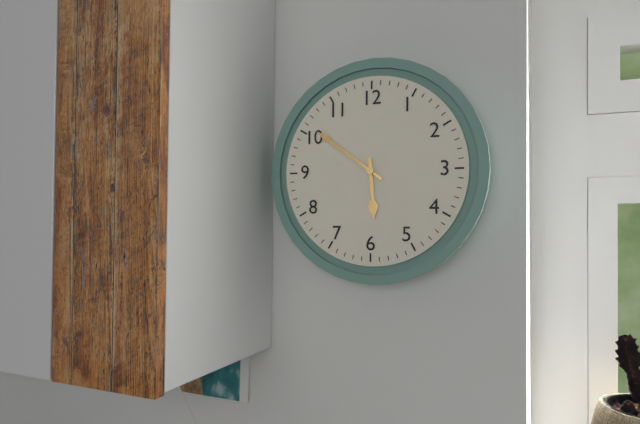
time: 5:51
